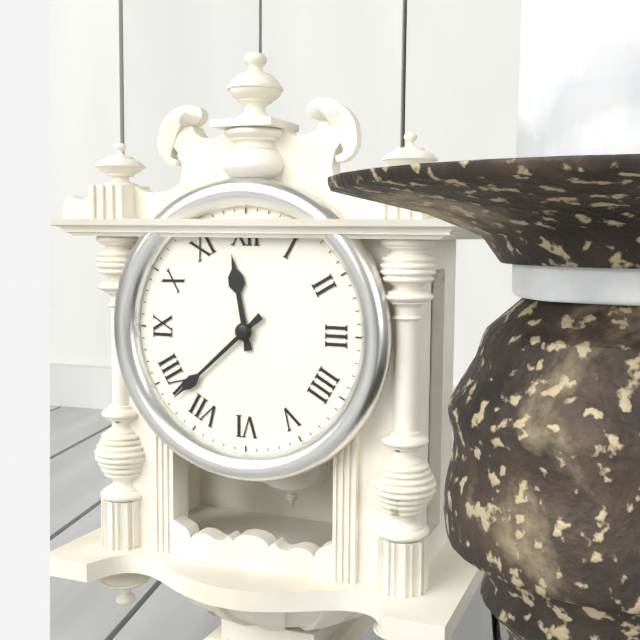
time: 11:38
